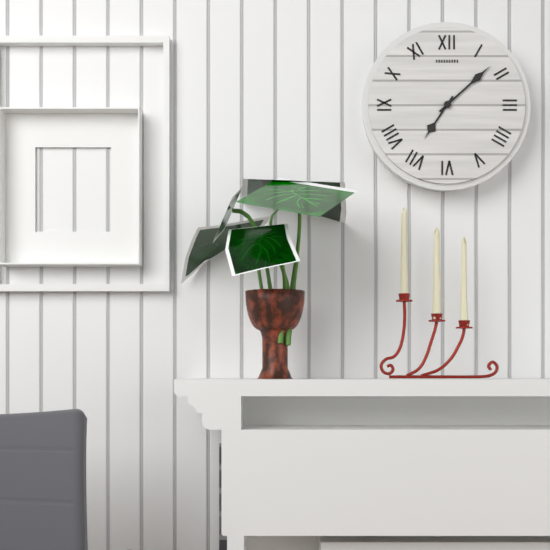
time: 7:08
